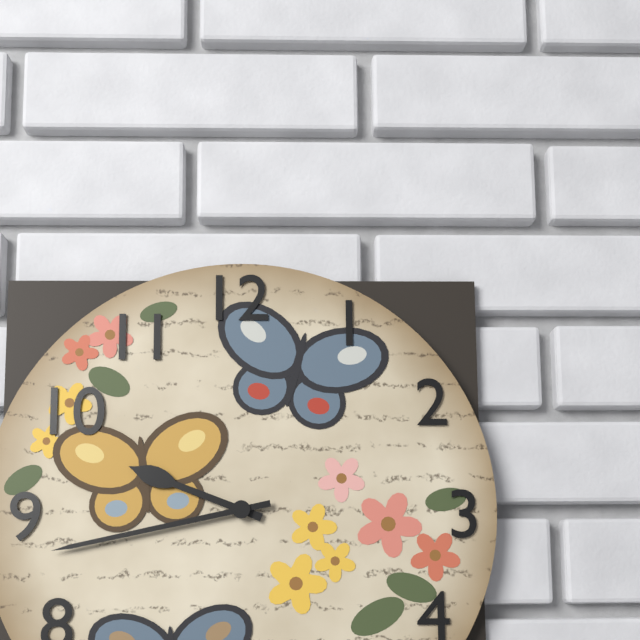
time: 9:43
